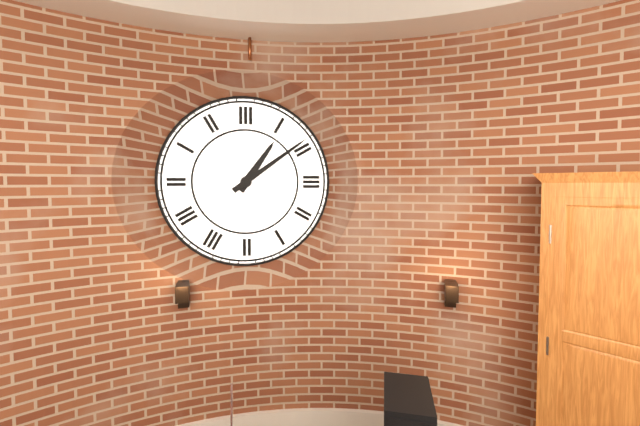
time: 1:09
